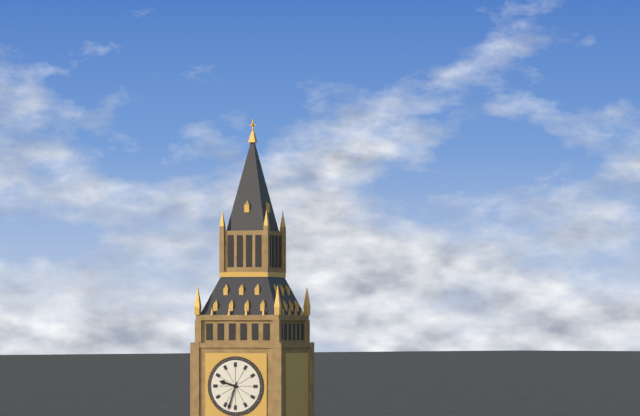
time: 9:33
